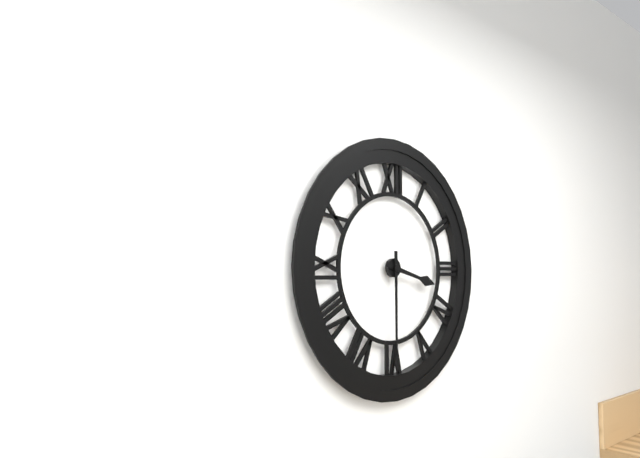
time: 3:30
